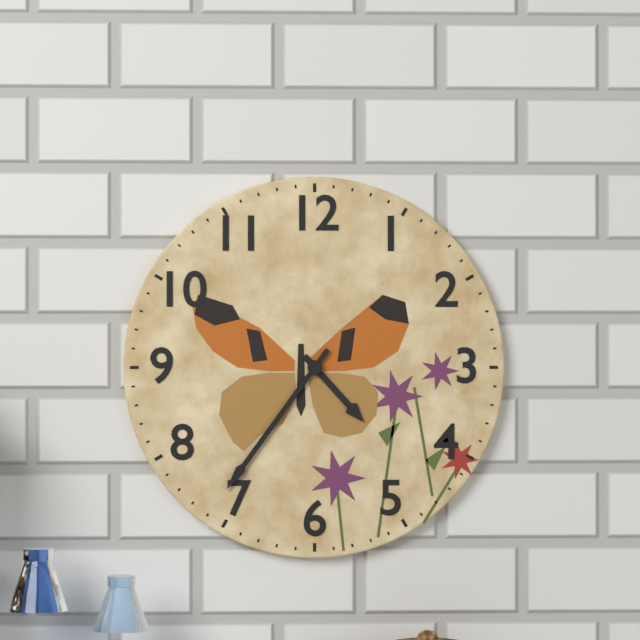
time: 4:36
